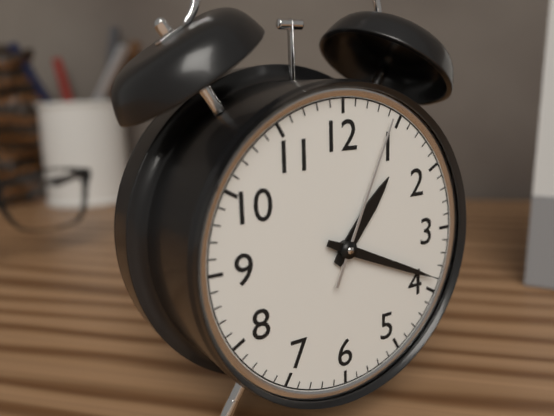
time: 1:19:04
